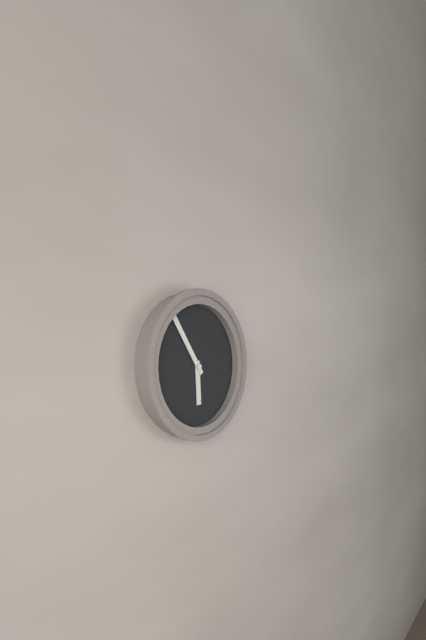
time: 5:54
